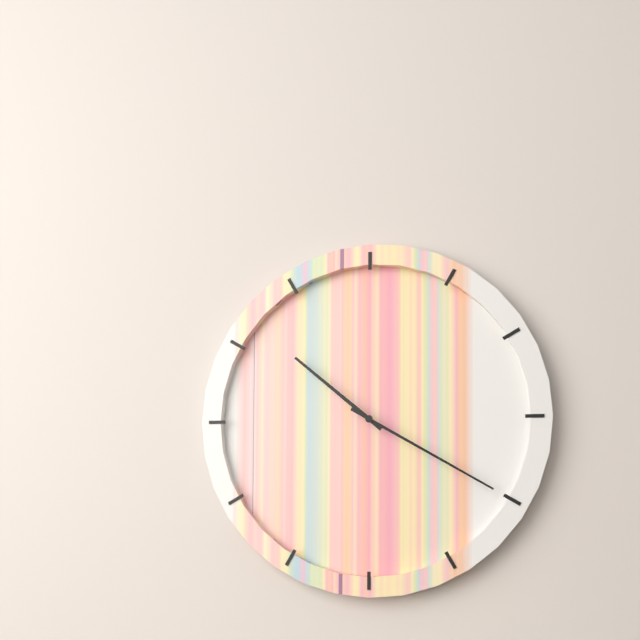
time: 10:20
